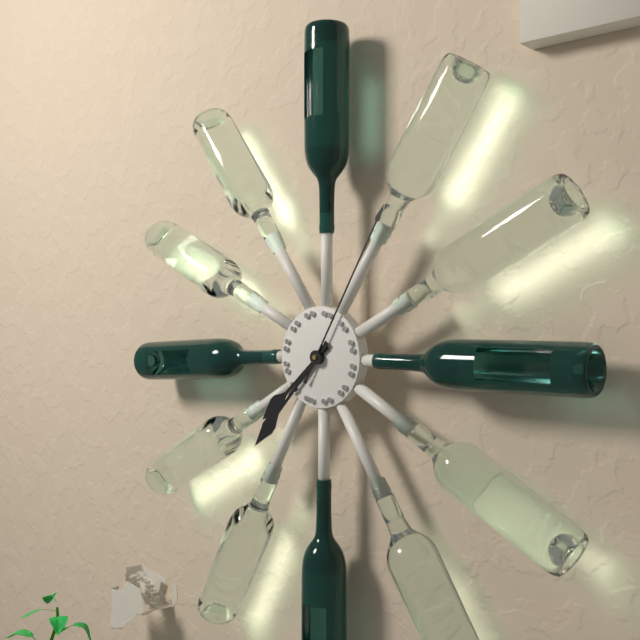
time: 7:37:05
